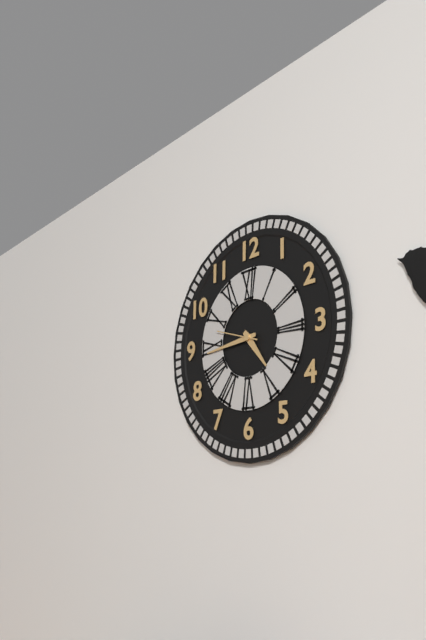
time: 4:44
